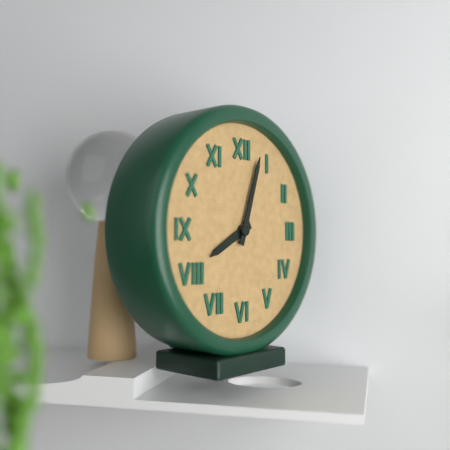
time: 8:03
